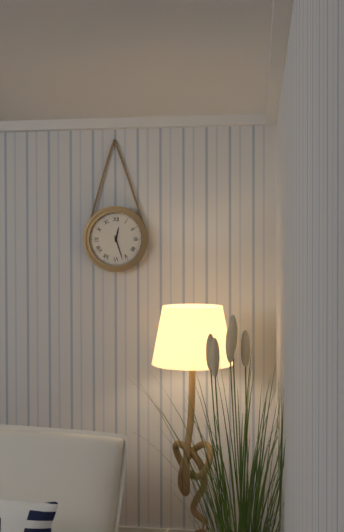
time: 12:27
